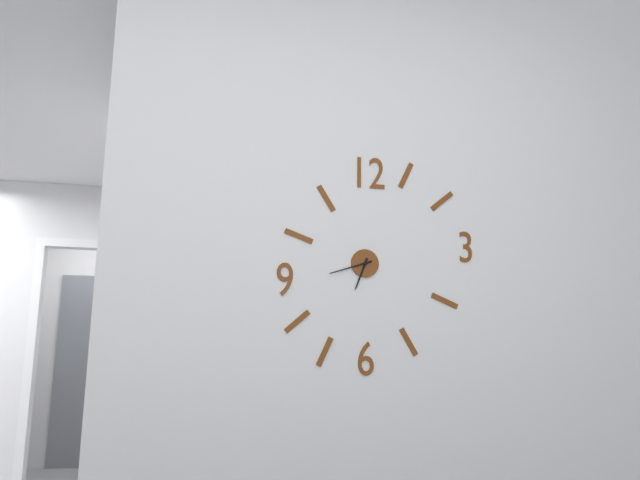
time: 6:42
